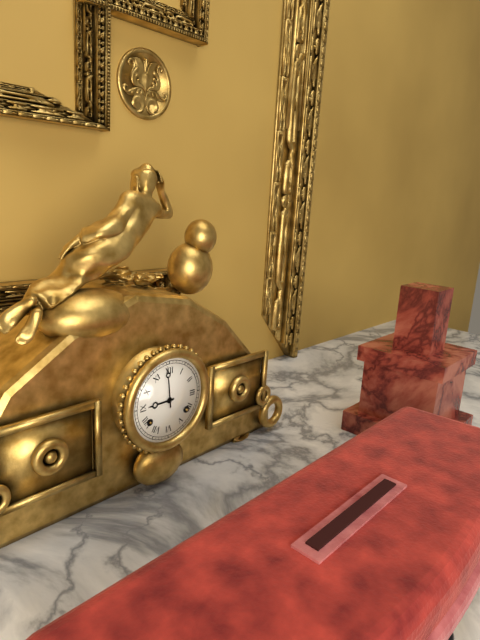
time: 8:59
